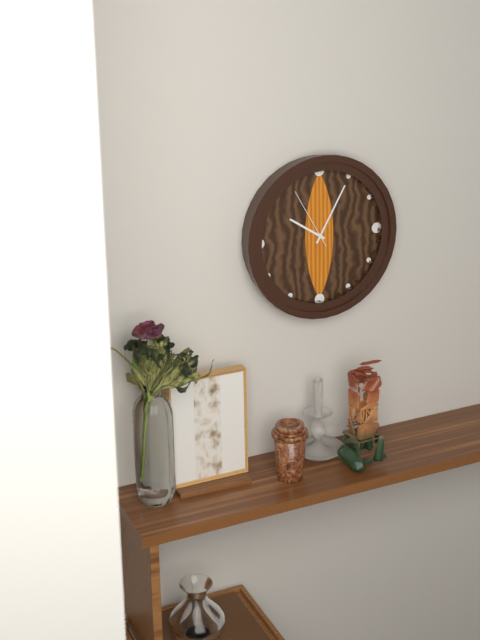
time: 10:05:55
